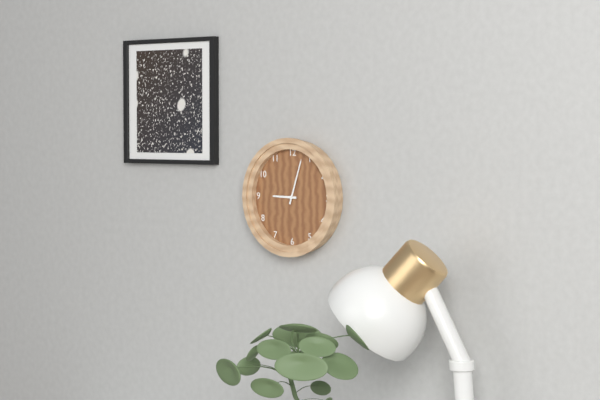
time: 9:03
